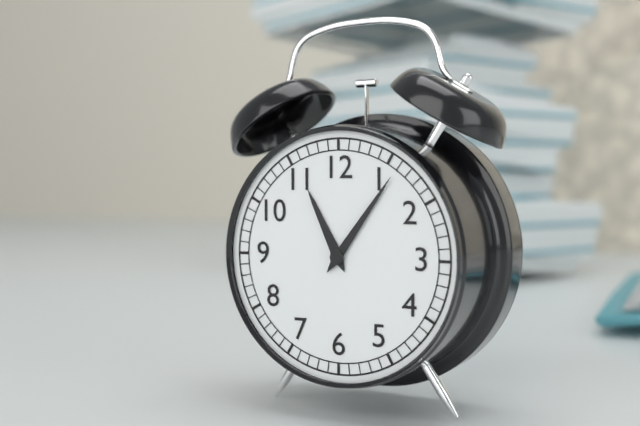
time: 11:06
